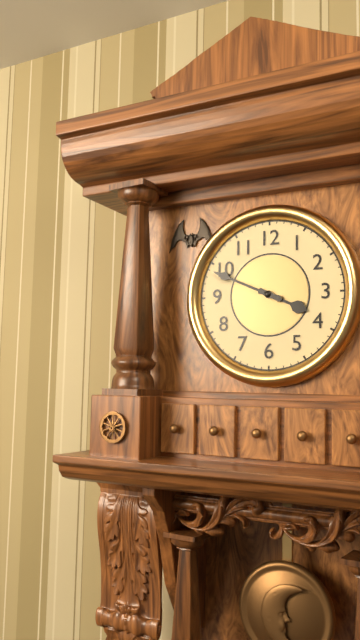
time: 3:49
